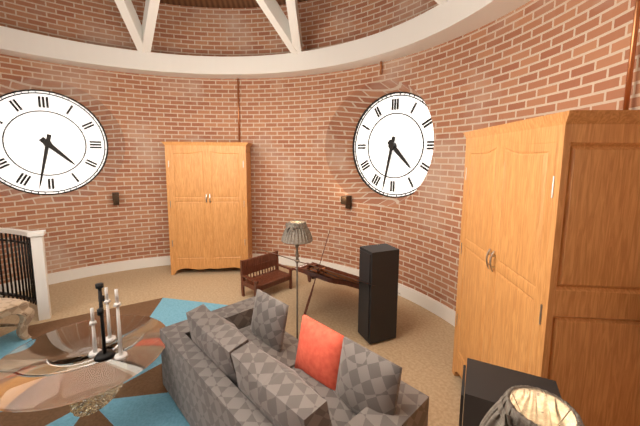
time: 4:32
